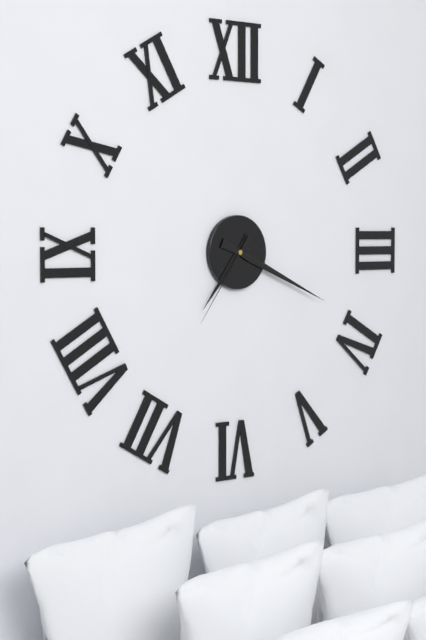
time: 7:19:36
